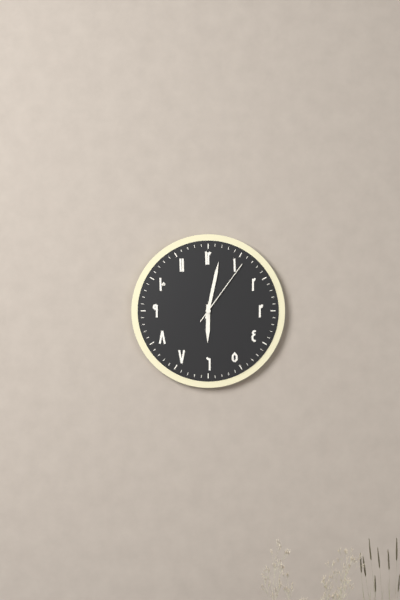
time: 6:02:06
